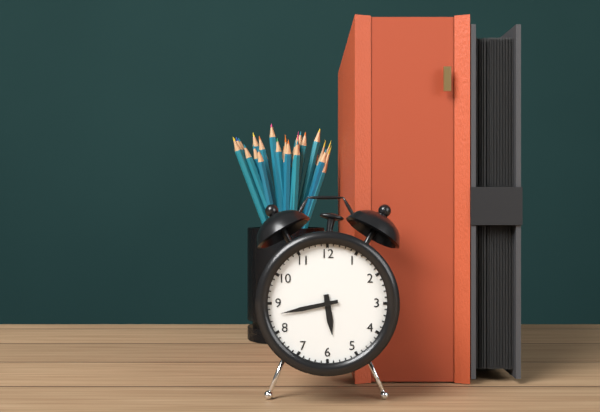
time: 5:43
